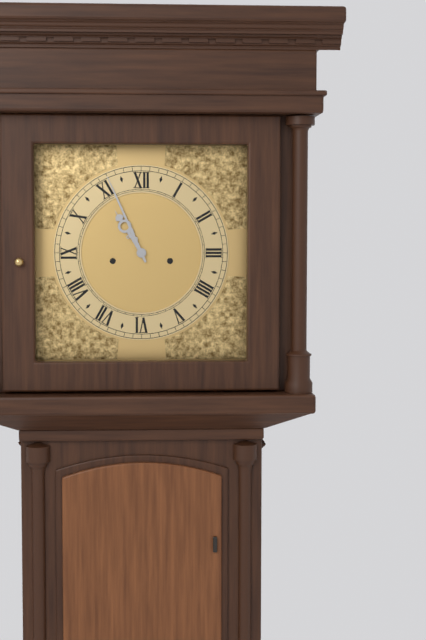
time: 10:56
